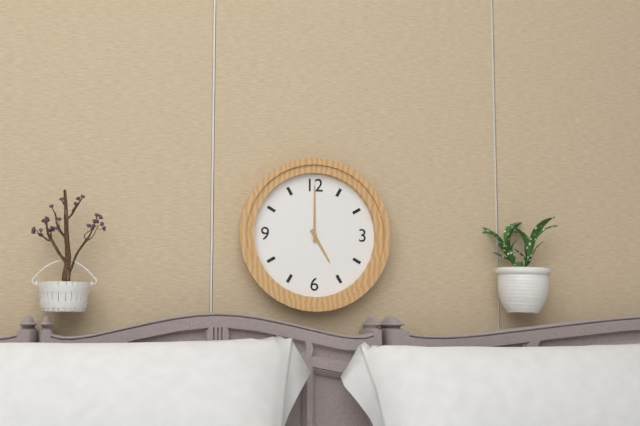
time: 5:00
